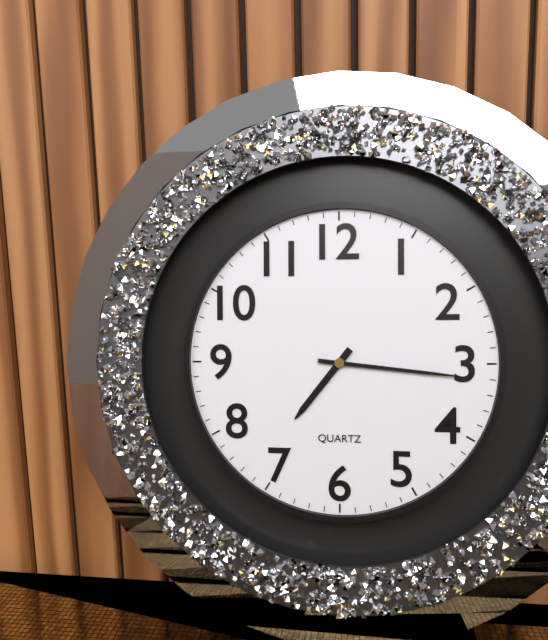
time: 7:16
